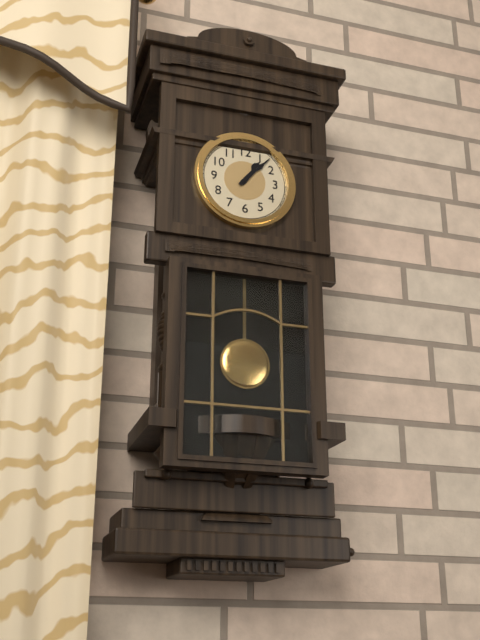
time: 1:07
